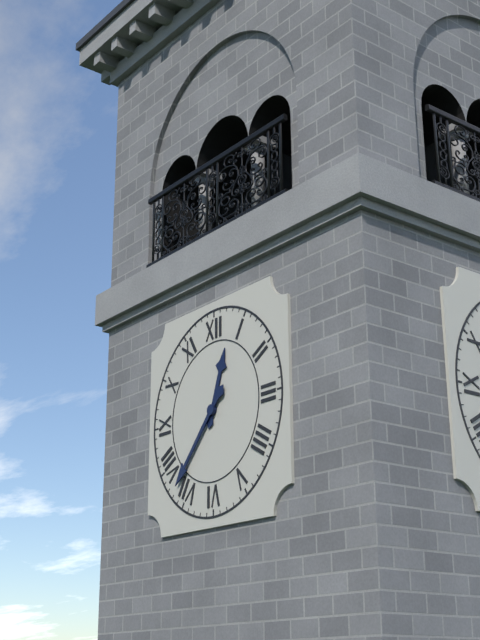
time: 12:37
